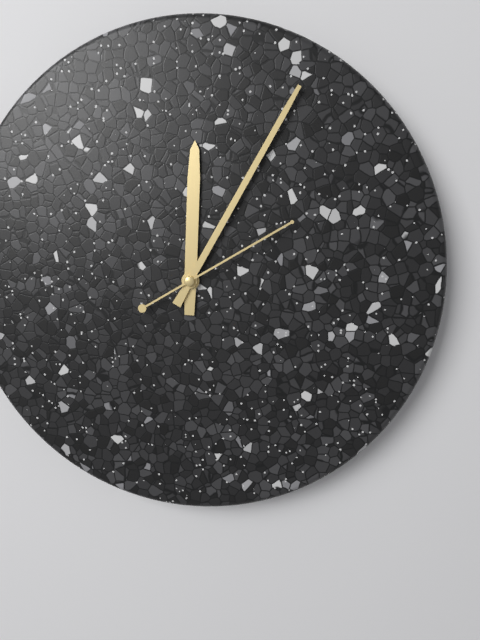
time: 12:05:10
